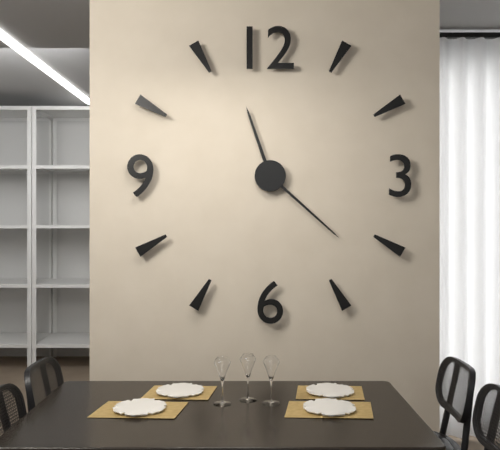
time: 11:22
